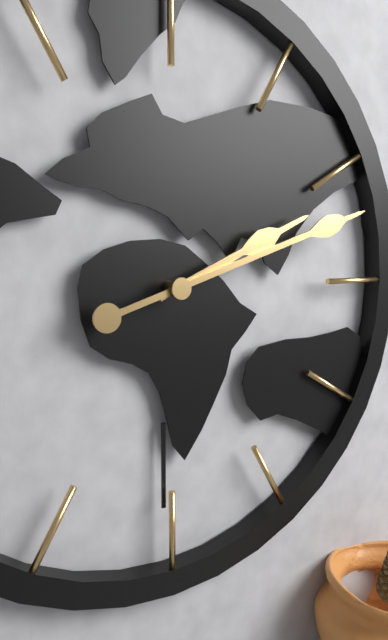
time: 2:12
